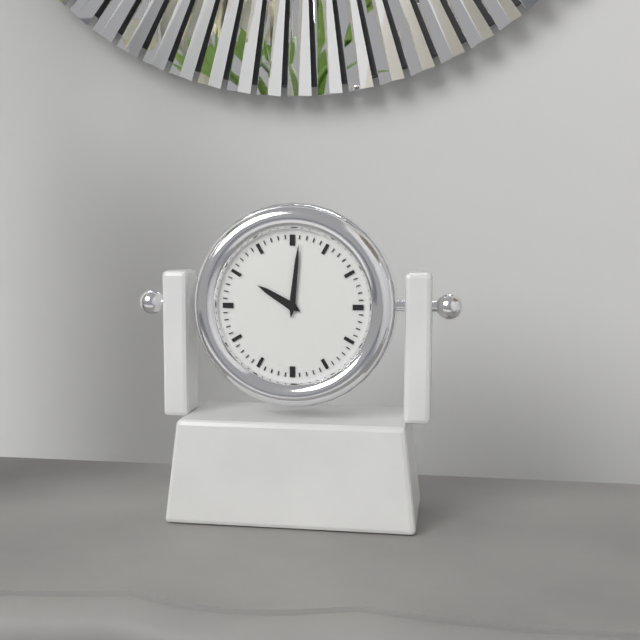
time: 10:01
